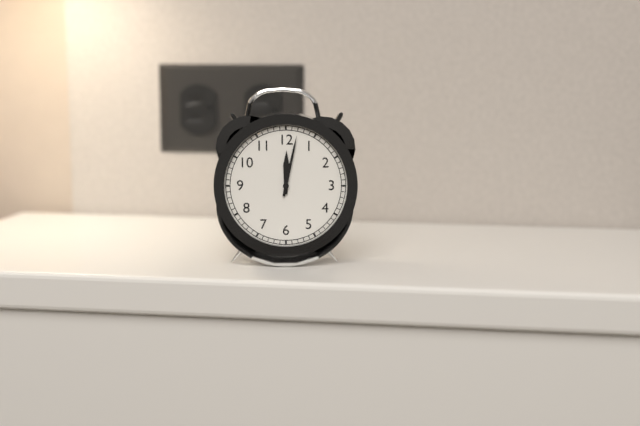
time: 12:02
